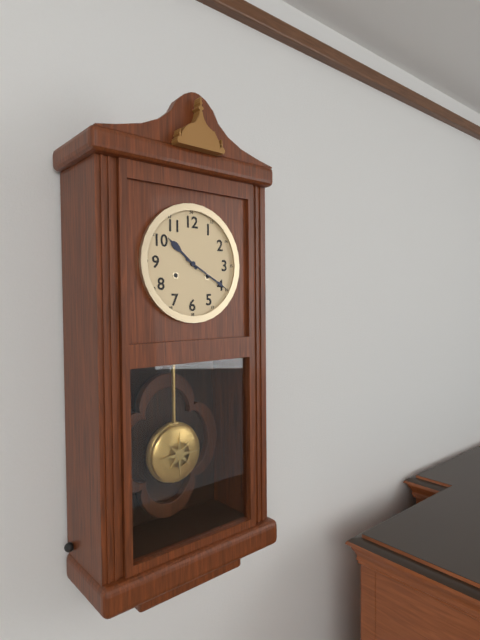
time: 10:20
